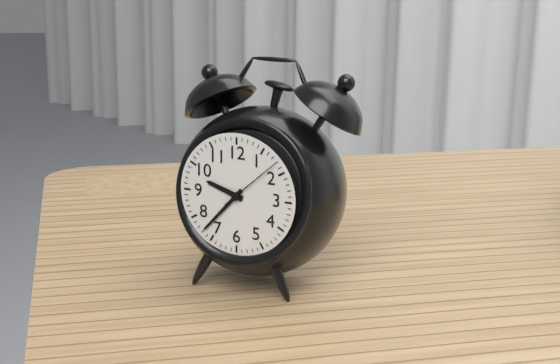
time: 9:37:08
